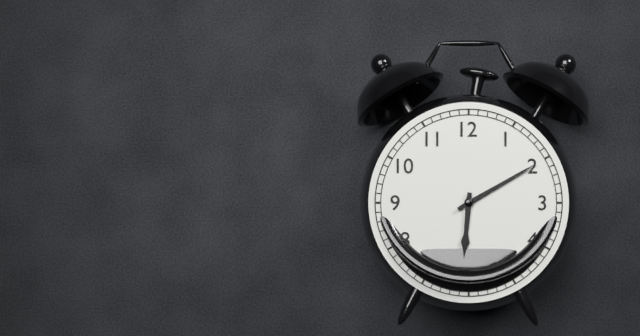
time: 6:10
